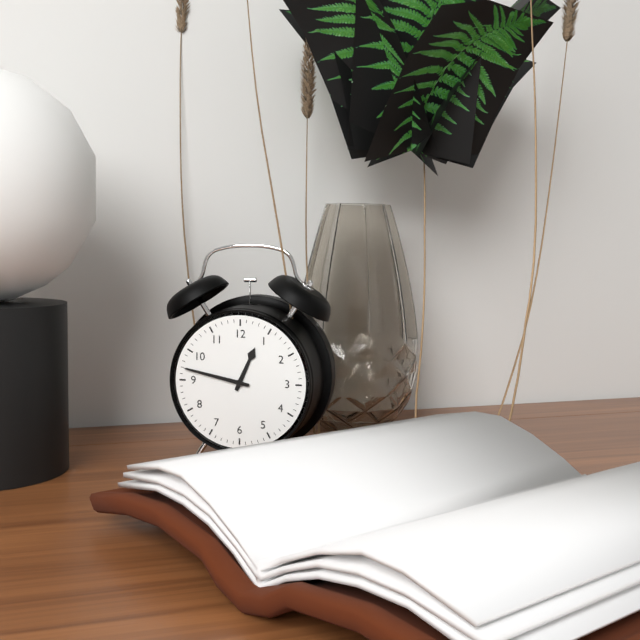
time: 12:47
